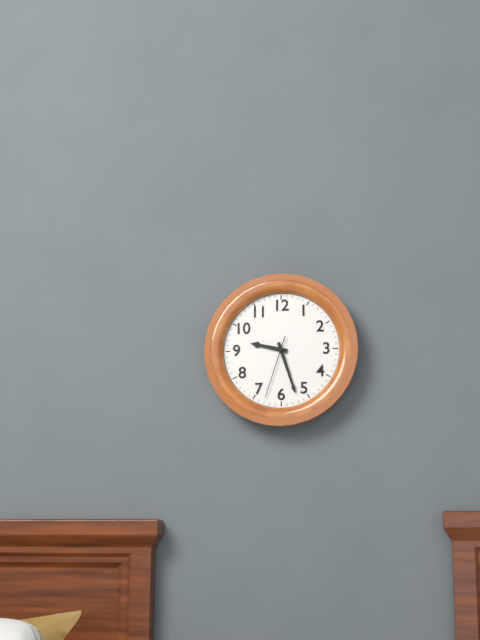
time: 9:27:33
